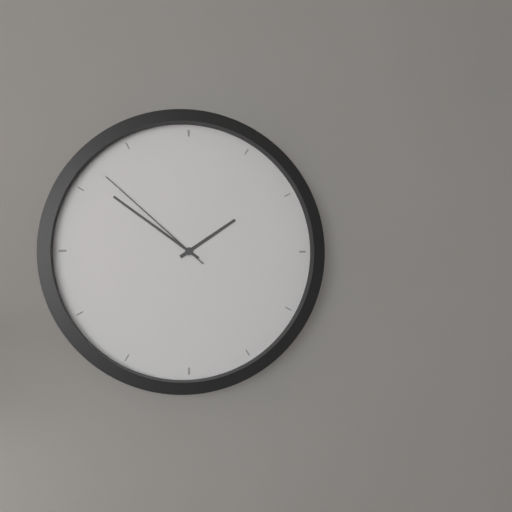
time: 1:51:52
